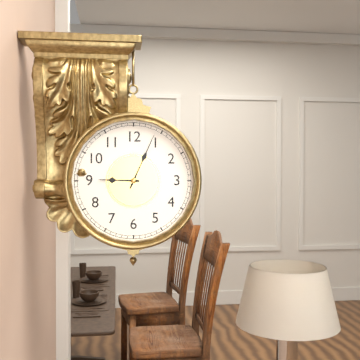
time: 9:04
